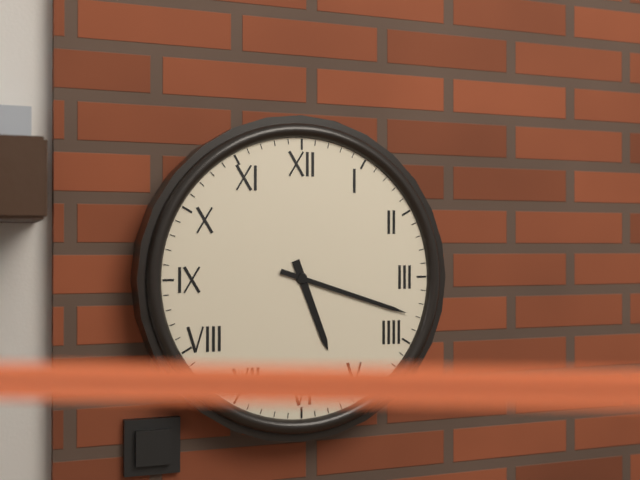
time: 5:18
